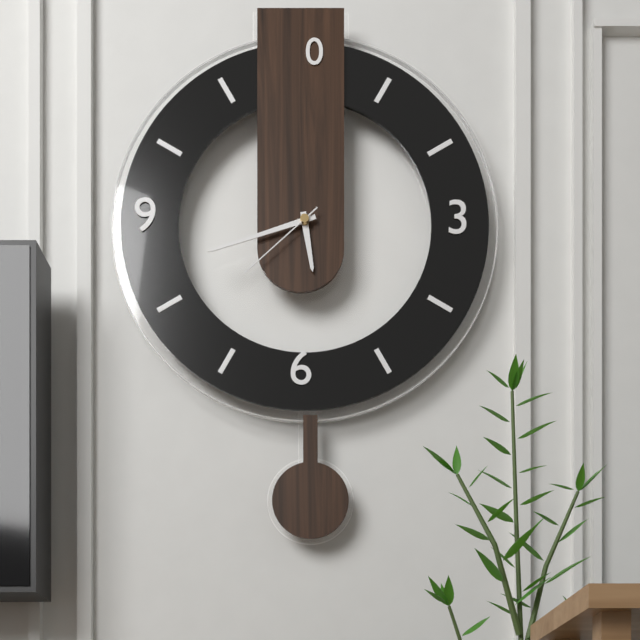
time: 5:42:38
